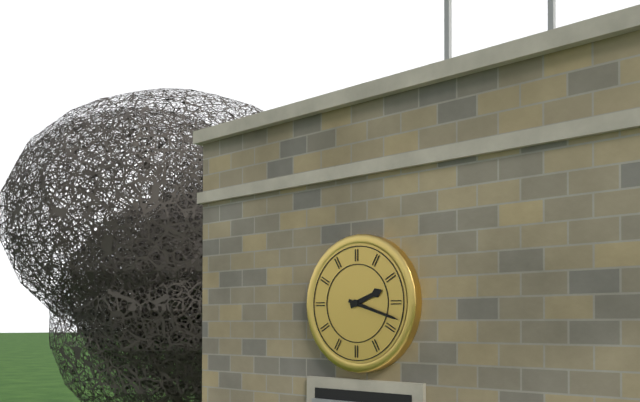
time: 2:18
